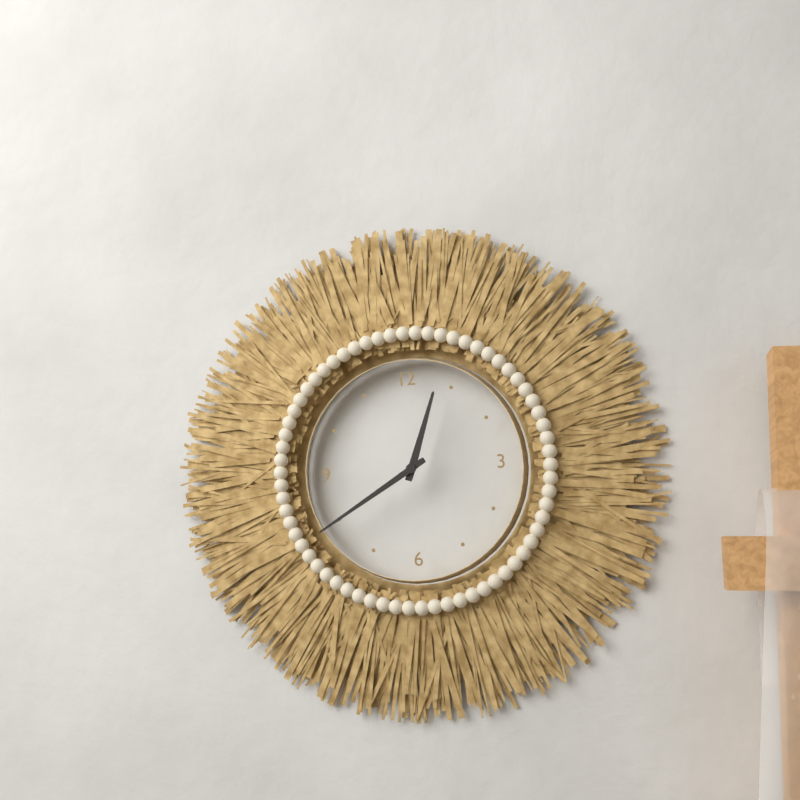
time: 12:40
